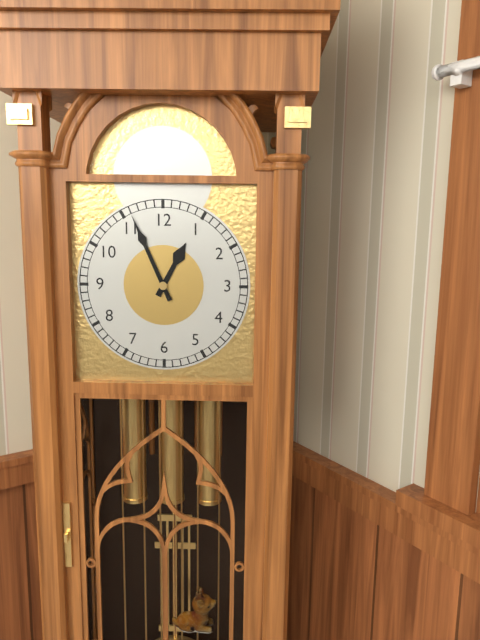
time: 12:56
